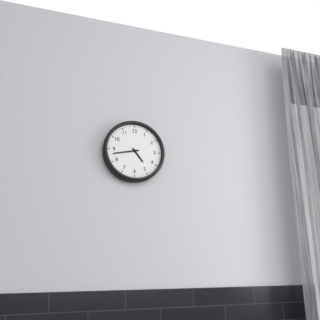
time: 4:43
